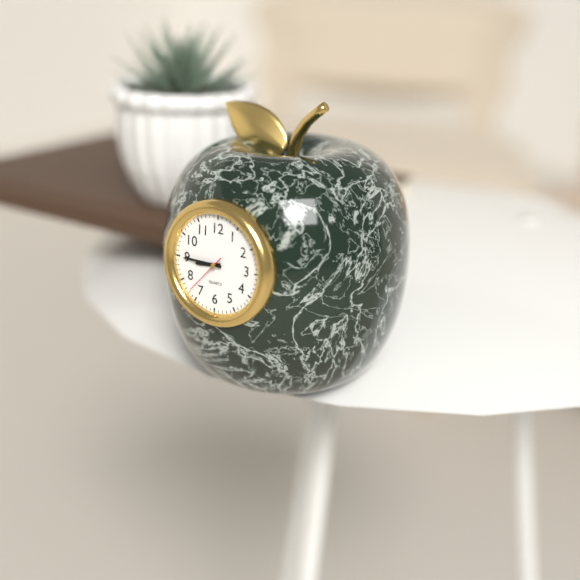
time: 8:45
